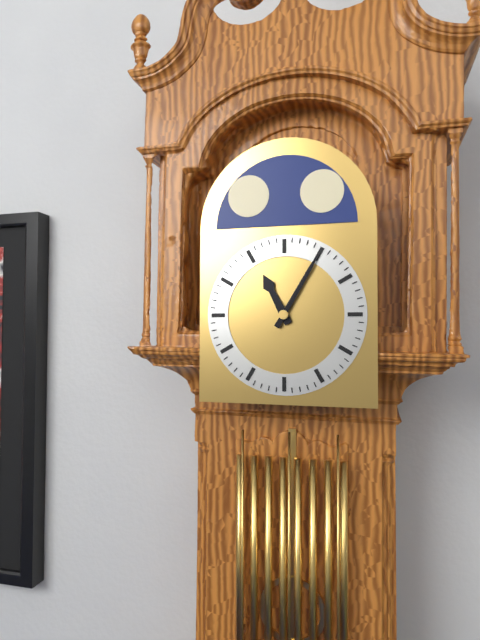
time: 11:05
